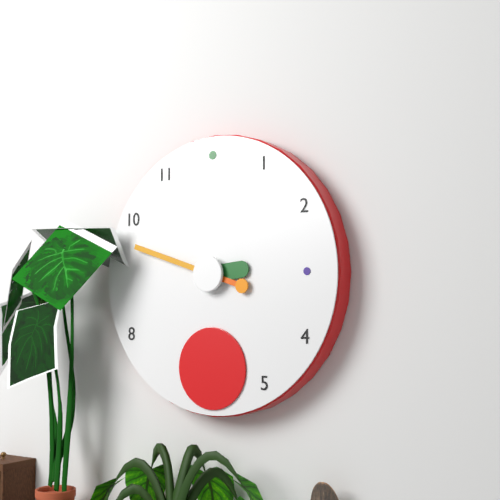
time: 2:48
